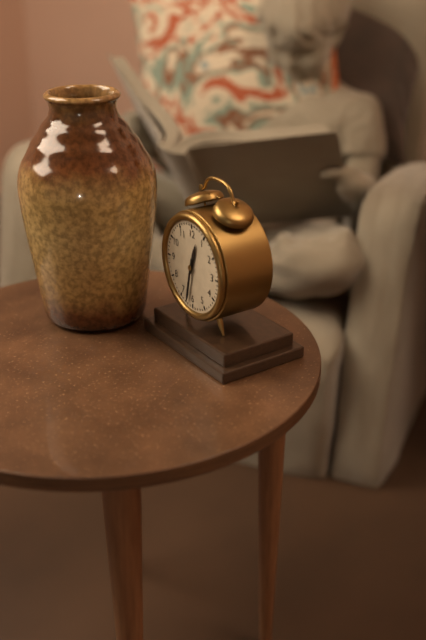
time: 12:32
